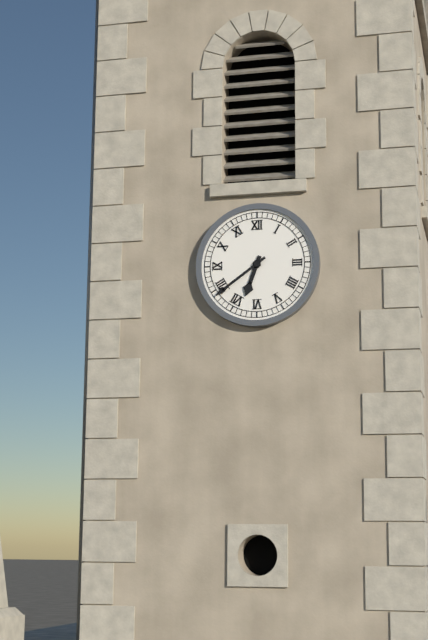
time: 6:39
